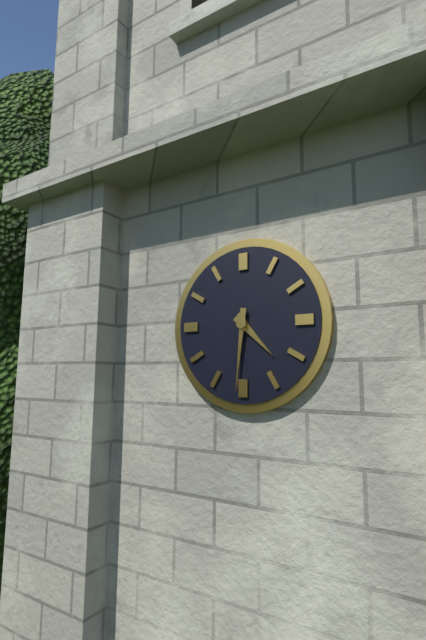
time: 4:31
